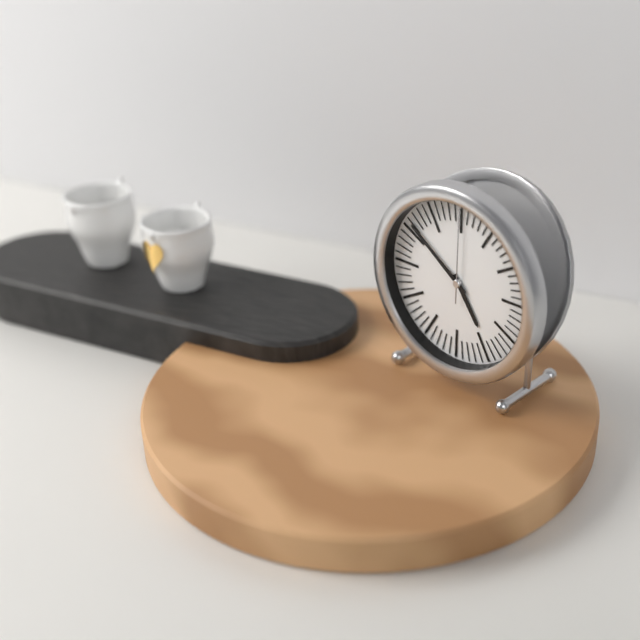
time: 4:51:00
